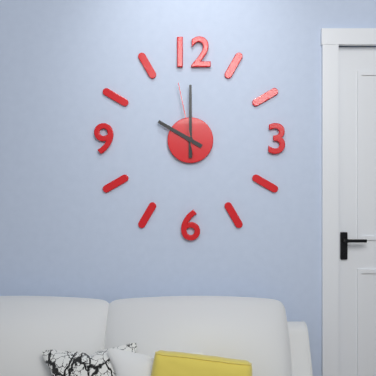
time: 10:00:58
